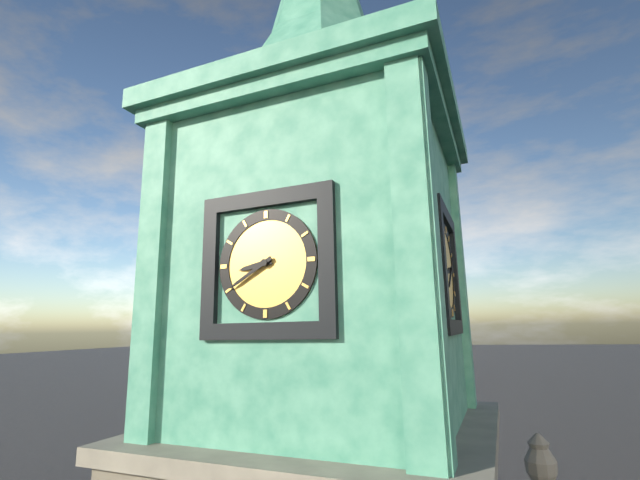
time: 8:40
